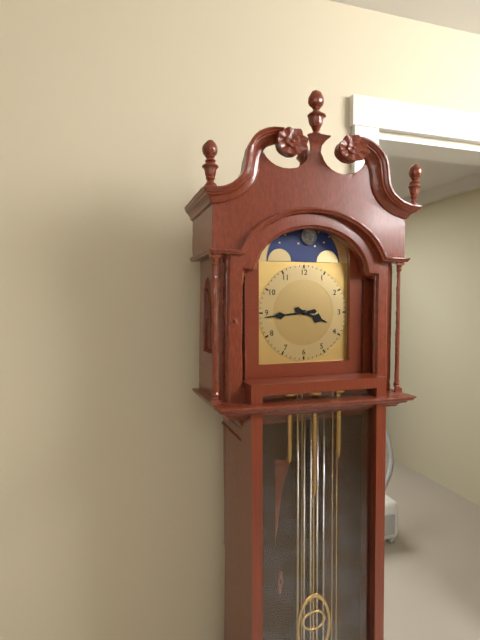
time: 3:44
